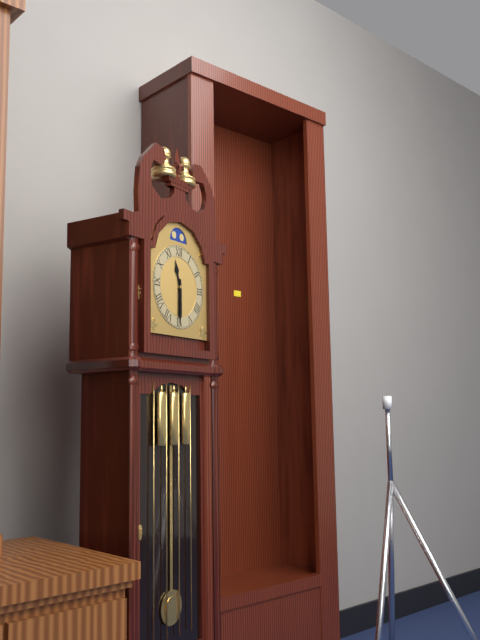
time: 11:30
